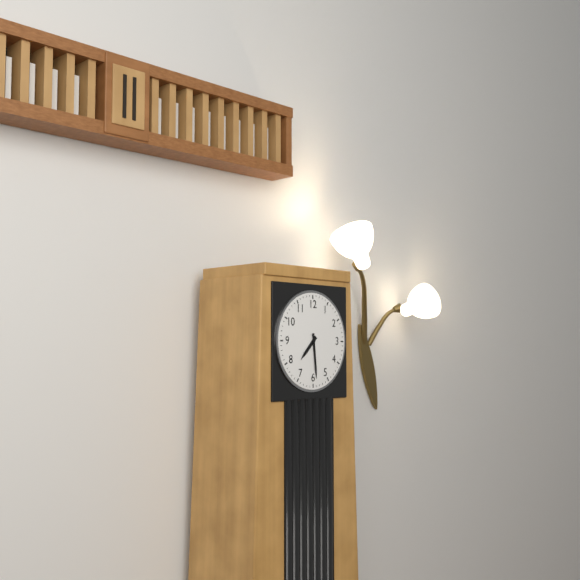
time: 7:29
